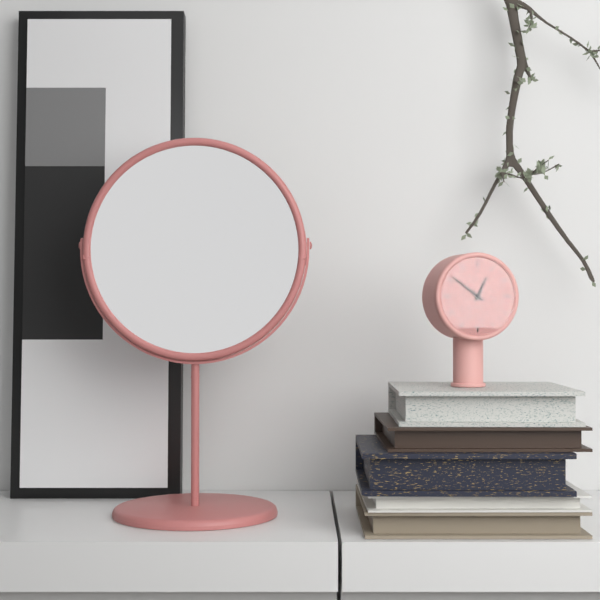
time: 12:51
